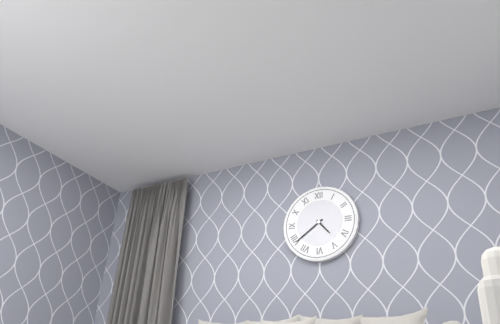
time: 4:39
